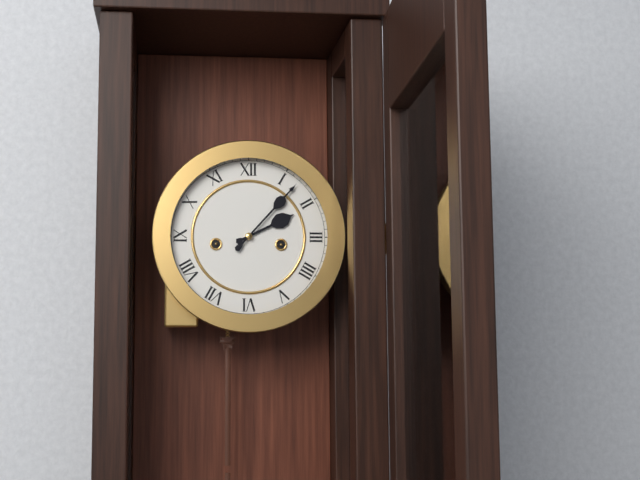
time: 2:07
